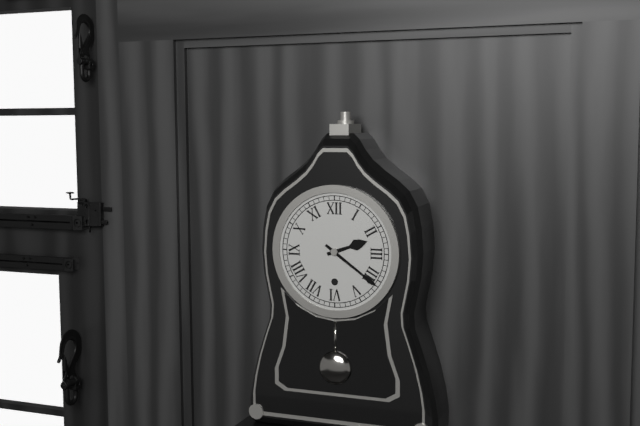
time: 2:21
